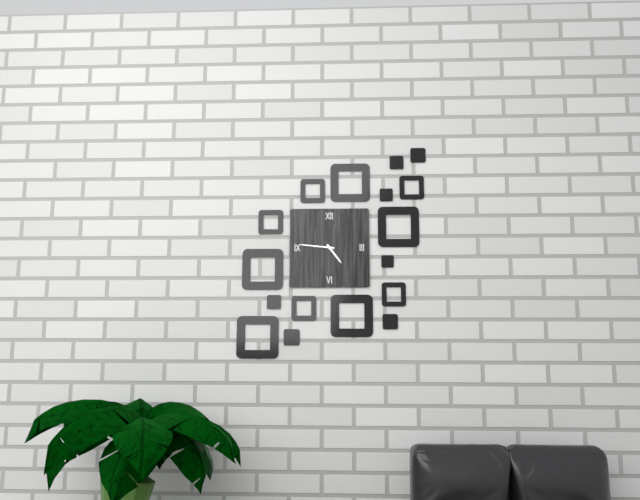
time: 4:46
